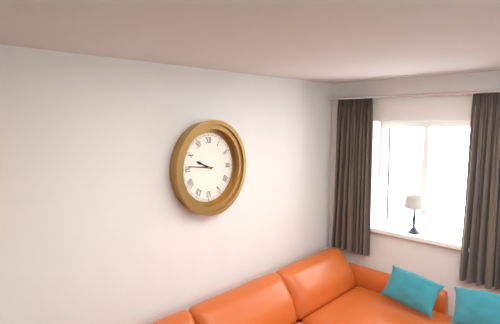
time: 9:46
